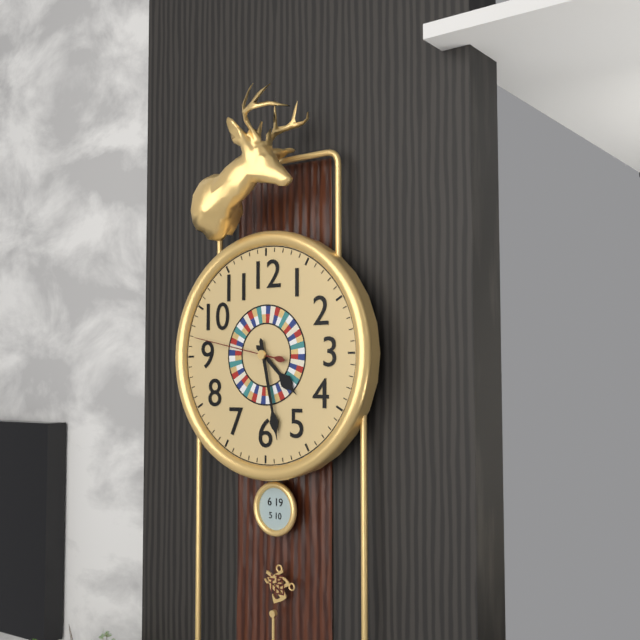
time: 4:28:47
